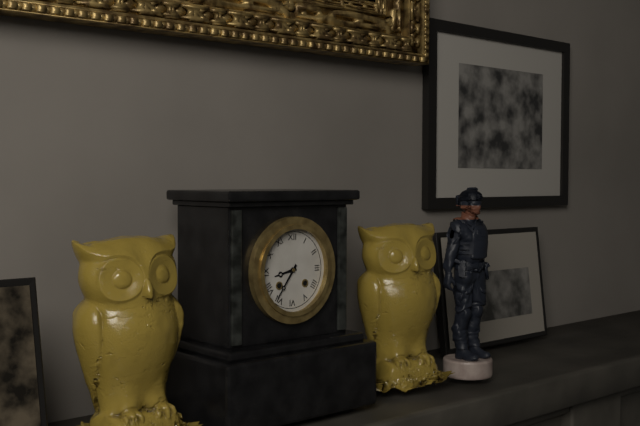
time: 8:36
